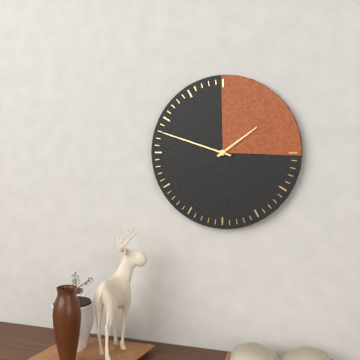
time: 1:48
